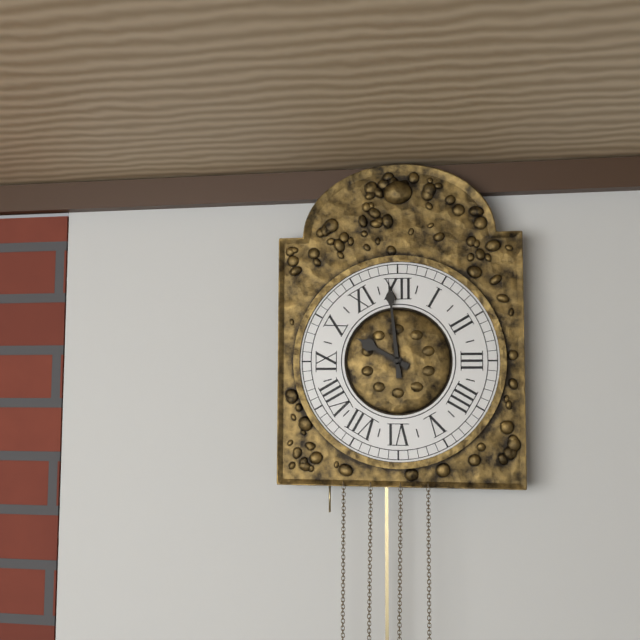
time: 9:59
